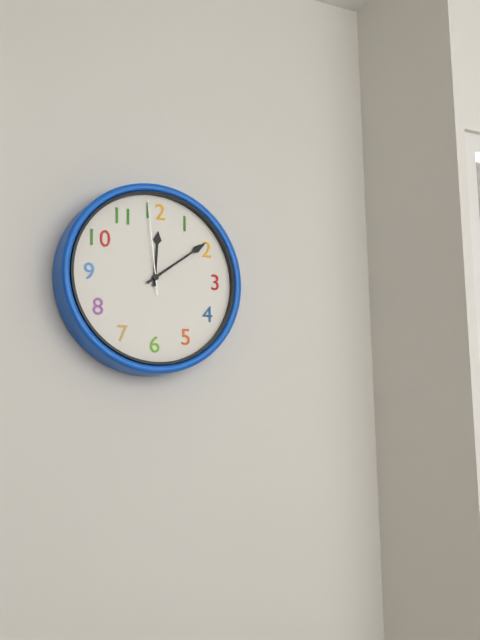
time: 12:09:59
